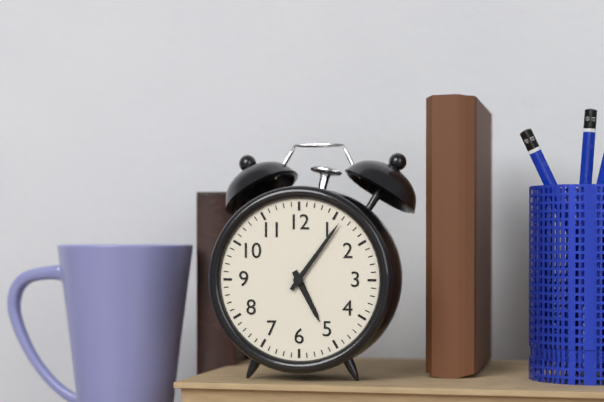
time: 5:06
